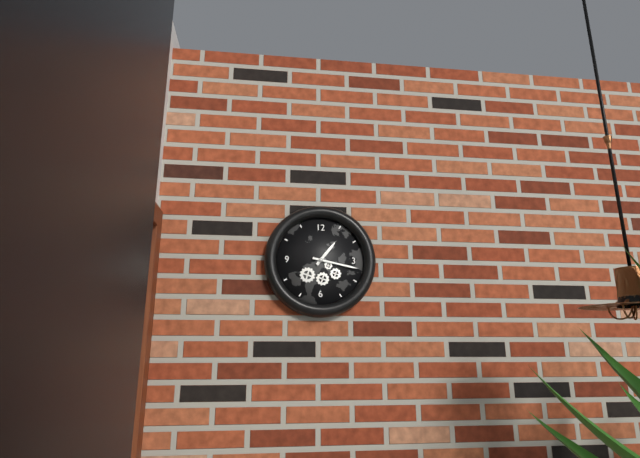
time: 1:17
